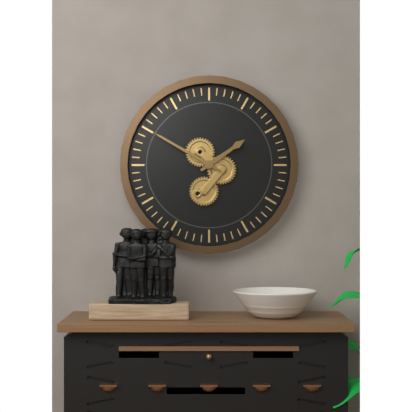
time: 1:50
